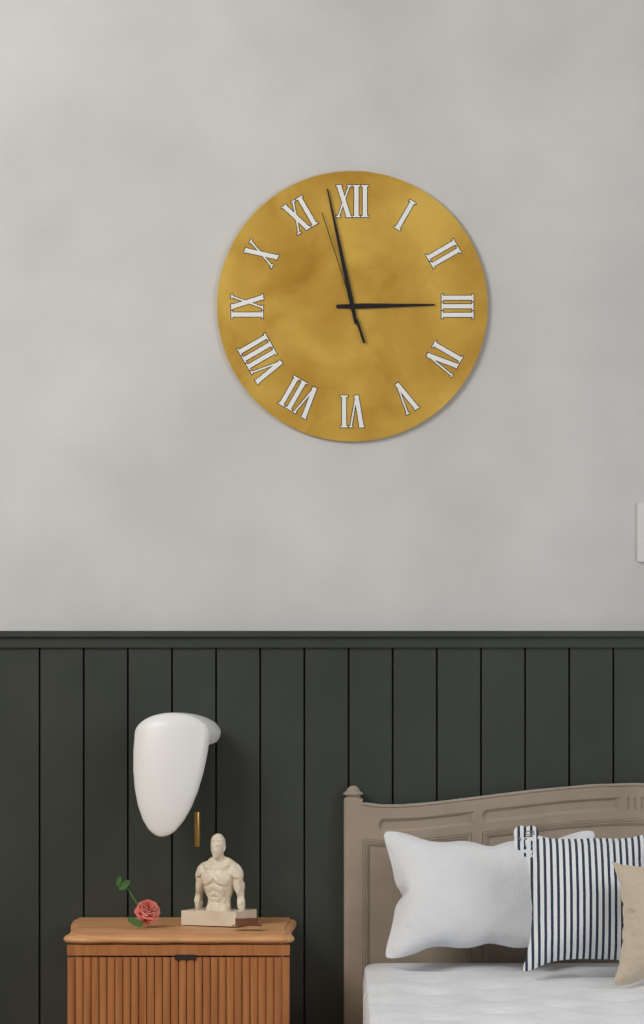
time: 2:58:57
